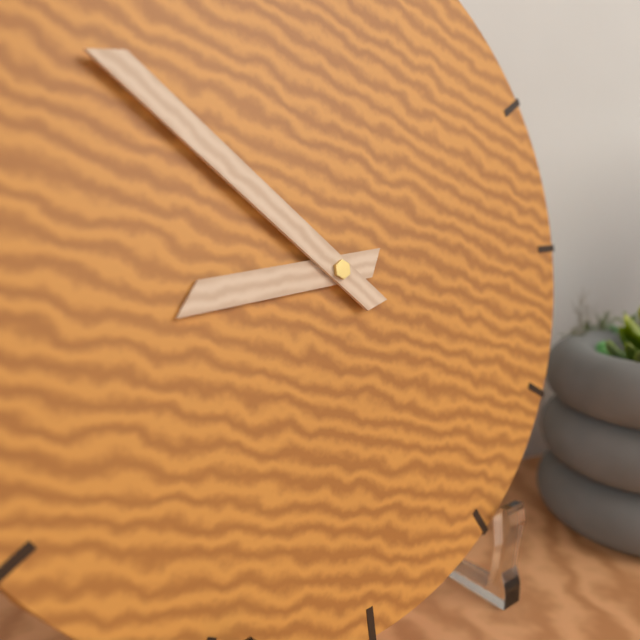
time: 8:52
